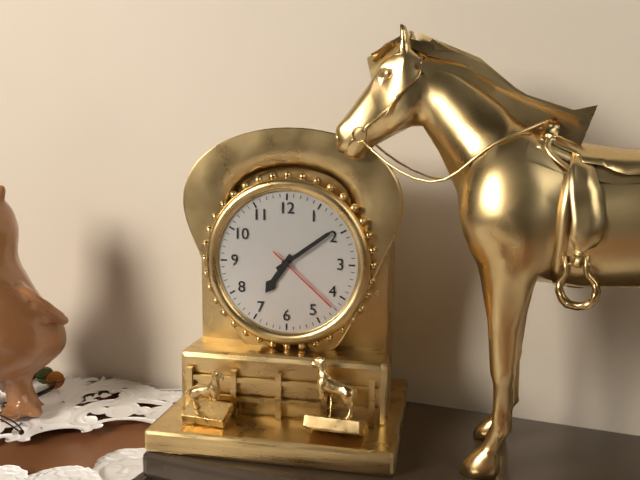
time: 7:09:22
